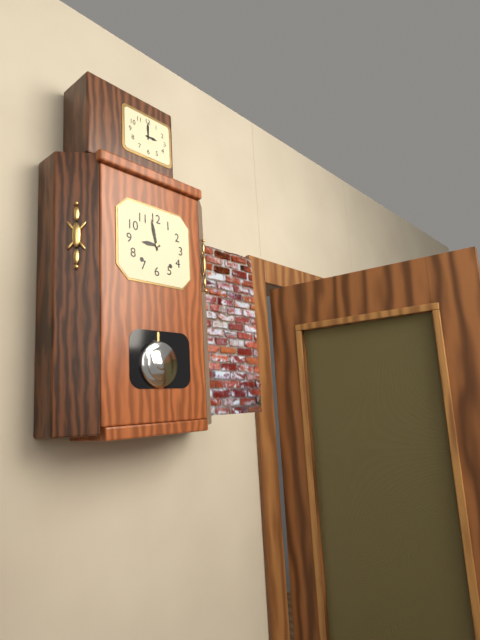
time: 8:58
